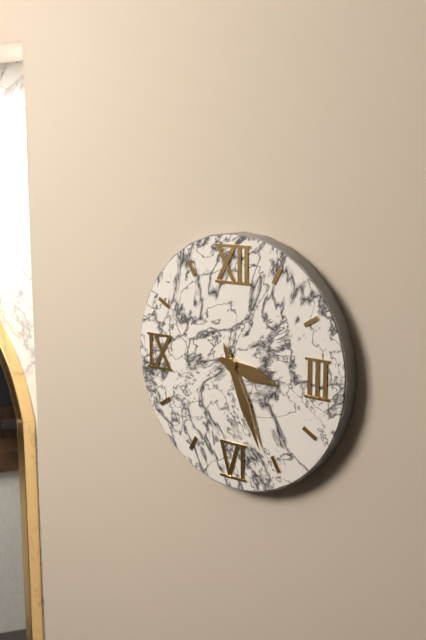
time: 3:26
